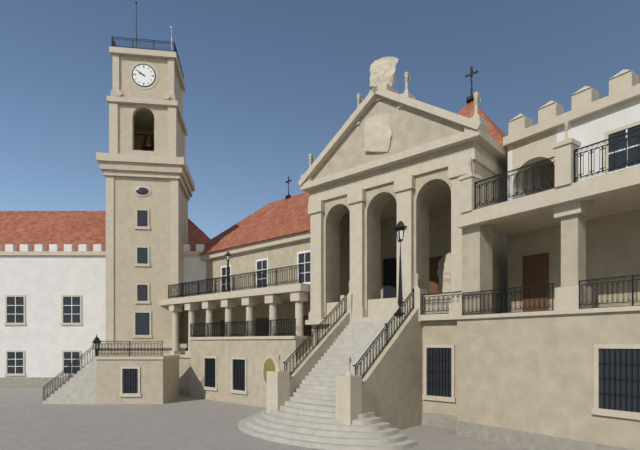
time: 9:51
